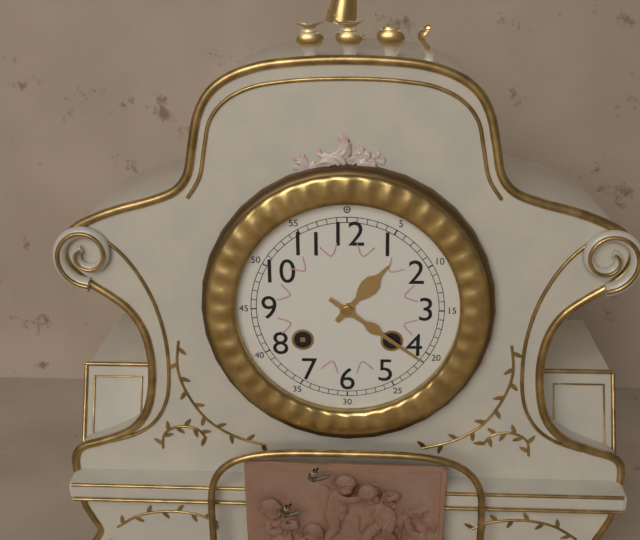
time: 1:21
